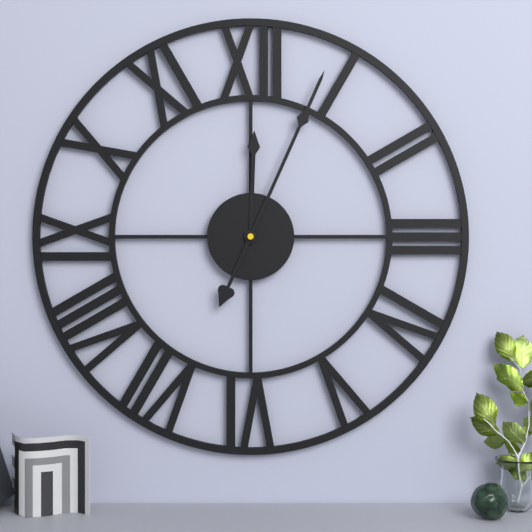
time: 12:04
